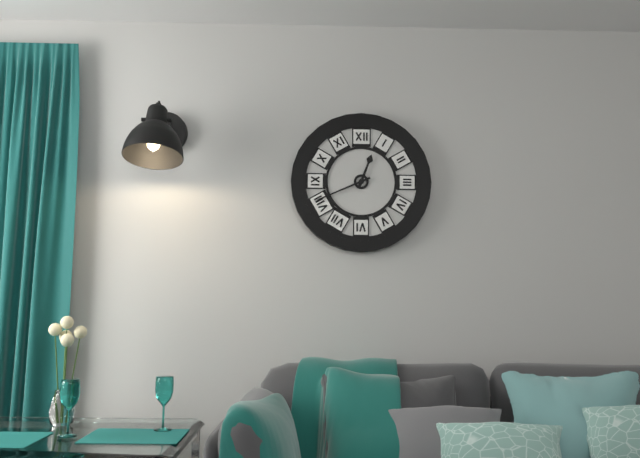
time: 12:41
